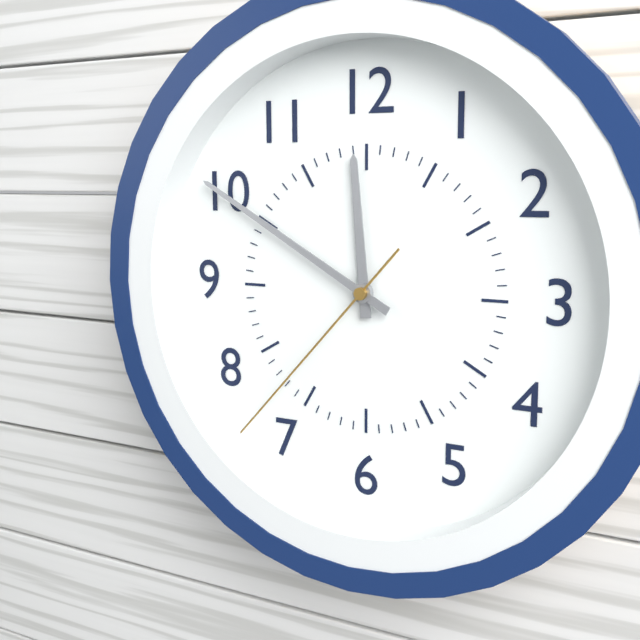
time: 11:50:37
